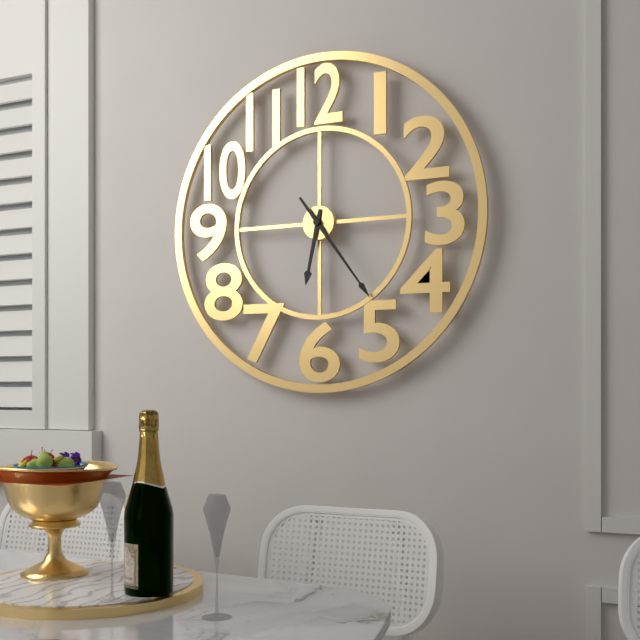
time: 6:24
